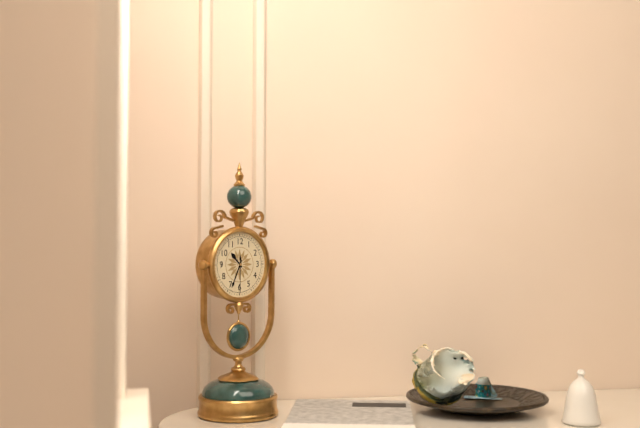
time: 10:34
